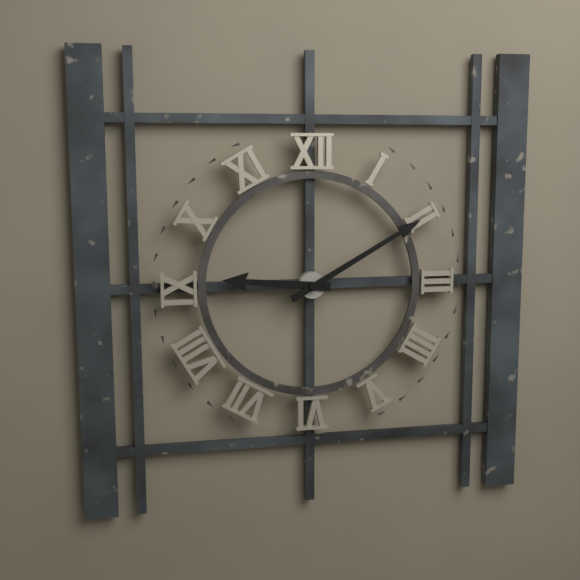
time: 9:10
